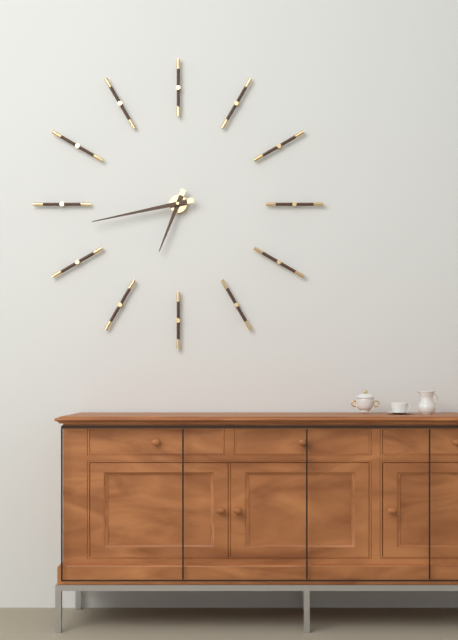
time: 6:43
